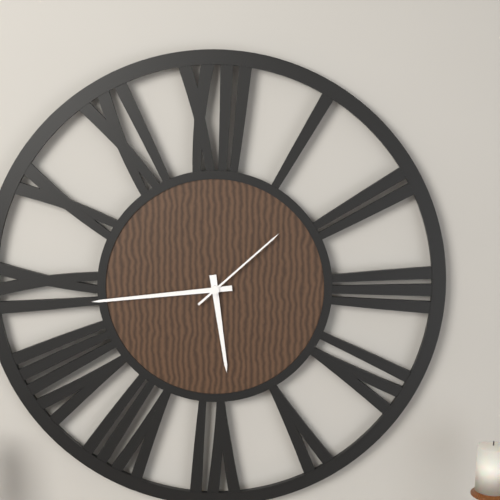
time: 5:44:08
